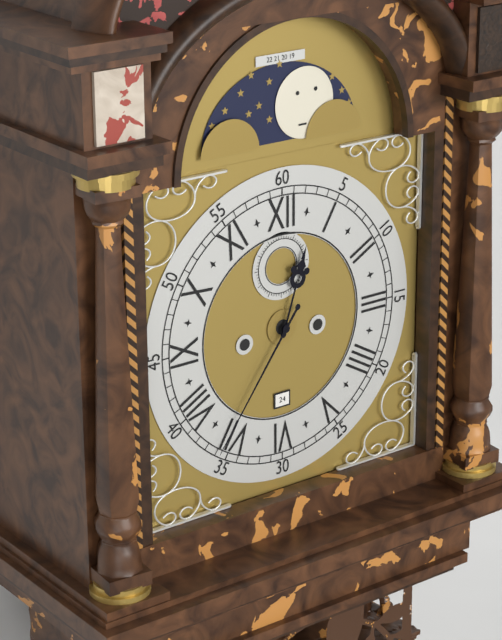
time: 12:36
